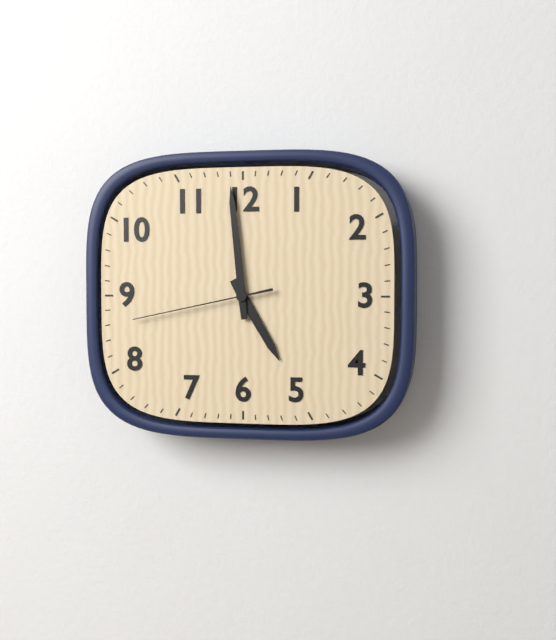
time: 4:59:43
